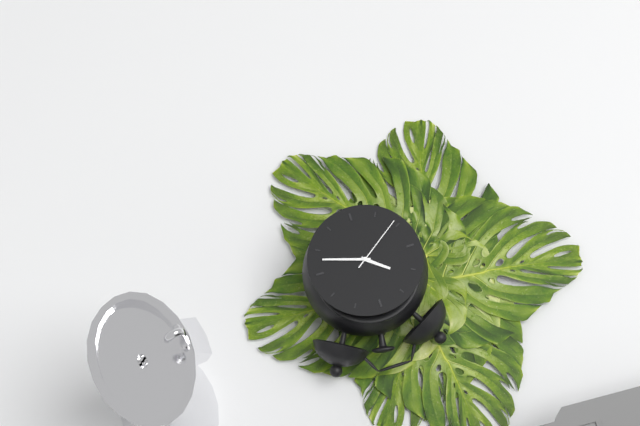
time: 10:18:39
